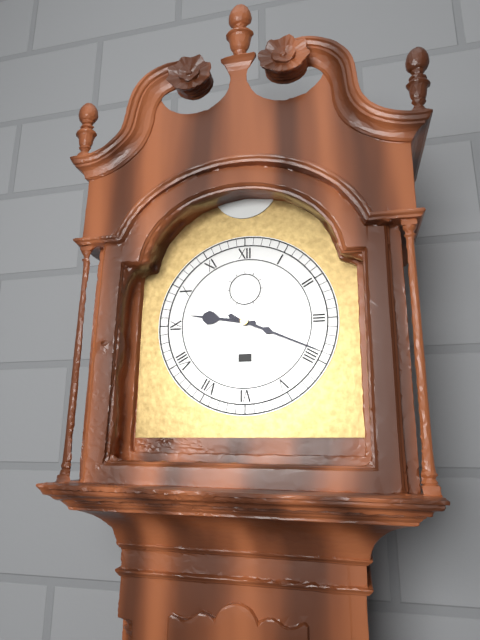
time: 9:19
